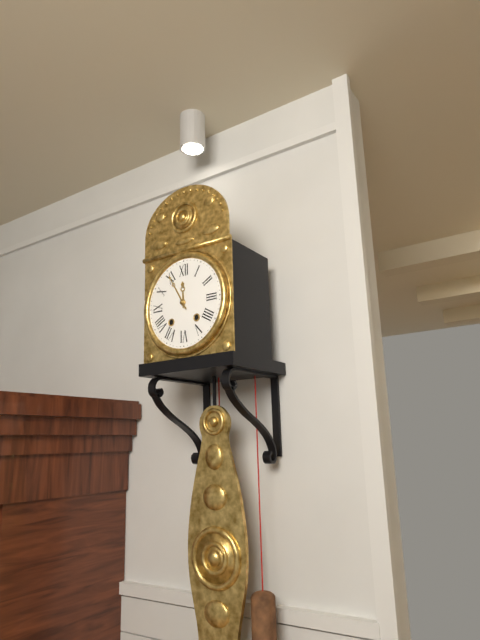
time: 11:55
